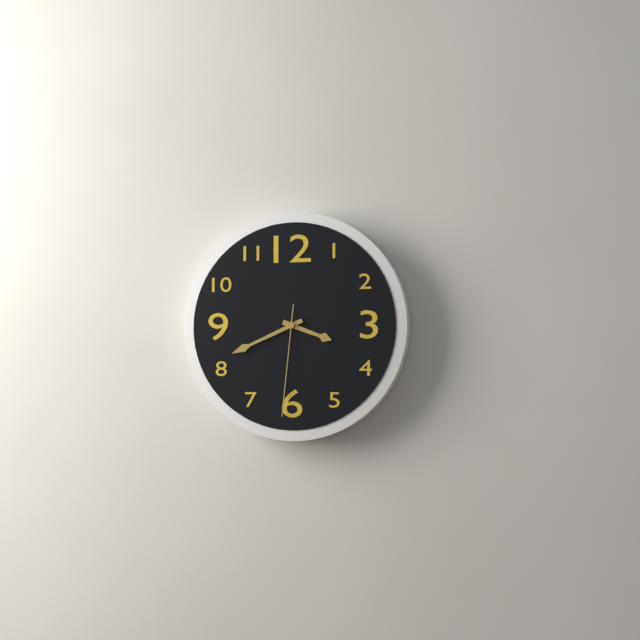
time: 3:41:31
